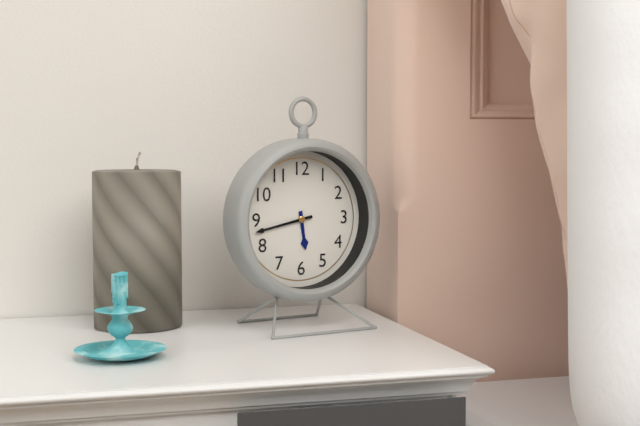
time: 5:43
